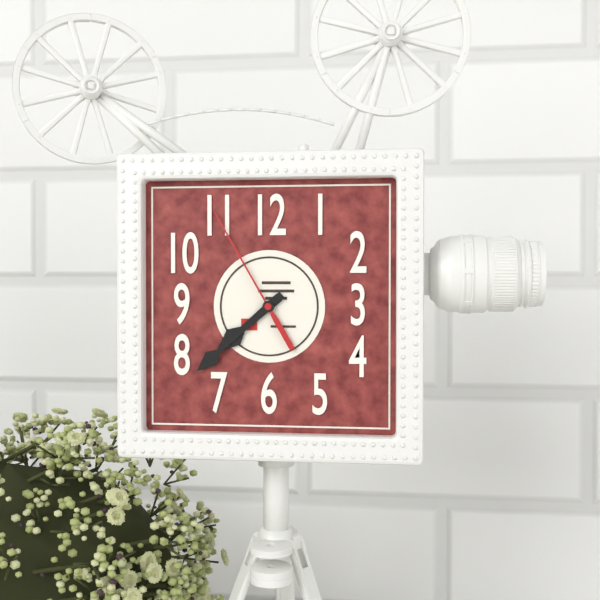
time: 7:38:55
